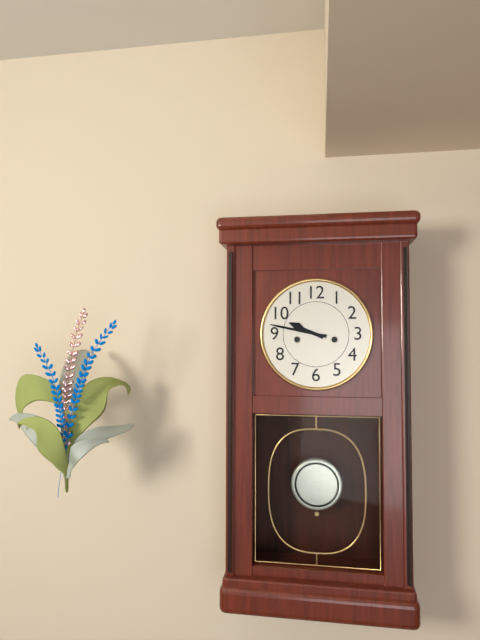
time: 9:47
